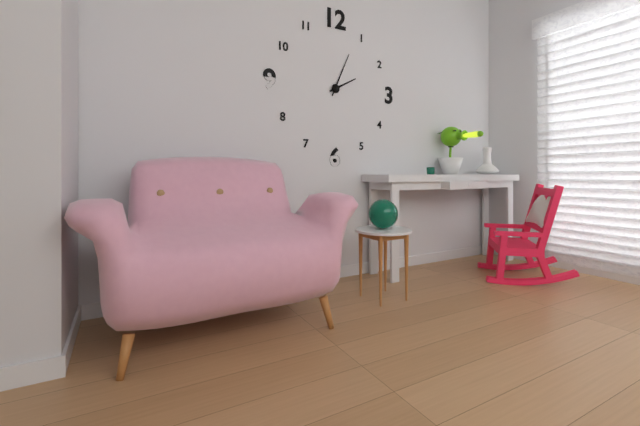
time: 2:04
